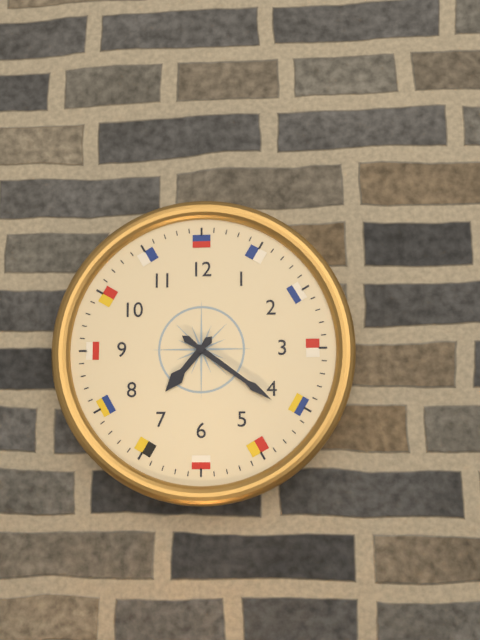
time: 7:21
